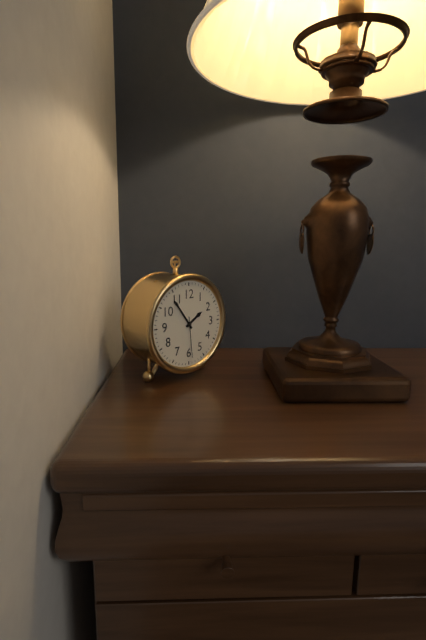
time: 1:54
